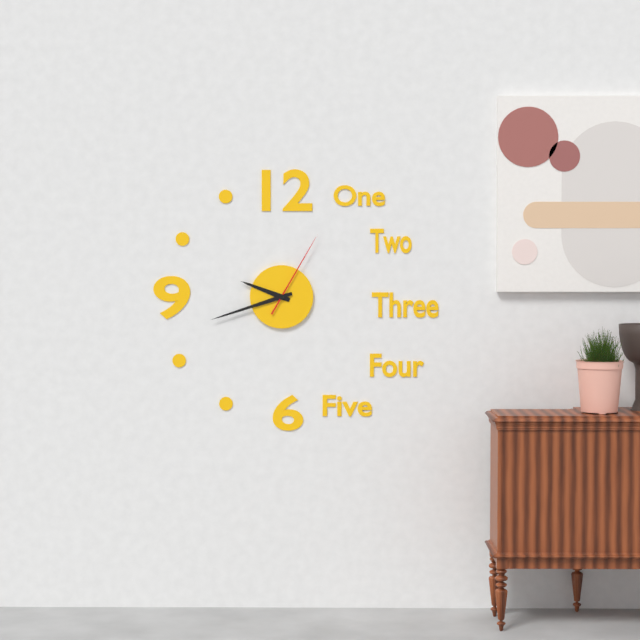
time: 9:42:05
